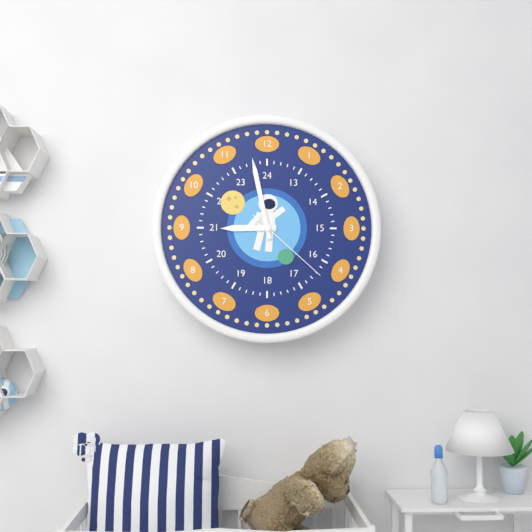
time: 8:58:22
